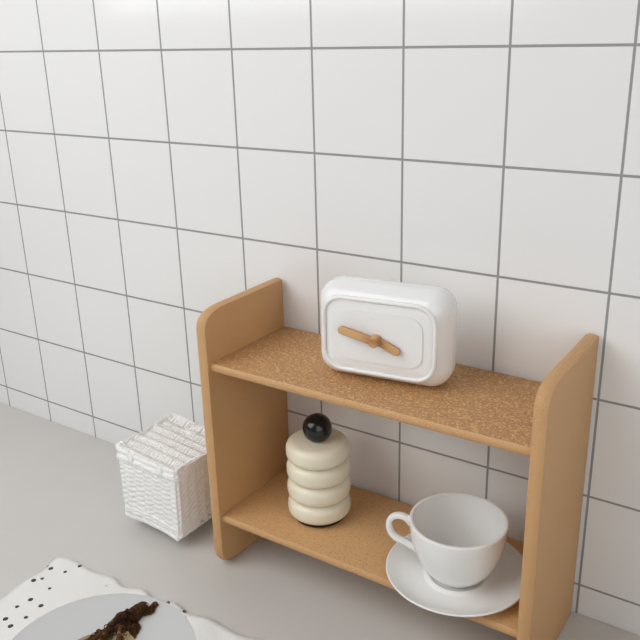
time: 3:47
